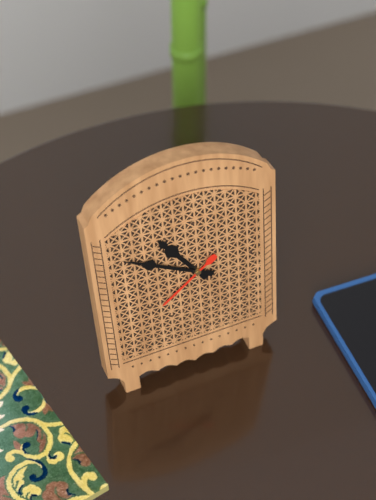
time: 10:50:39
